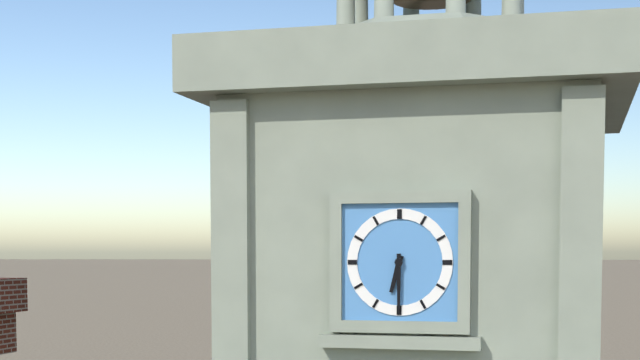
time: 6:30
